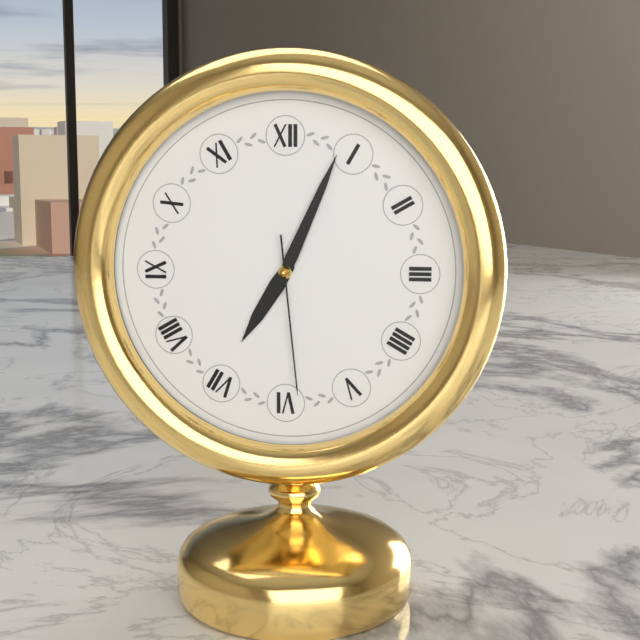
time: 7:04:29
